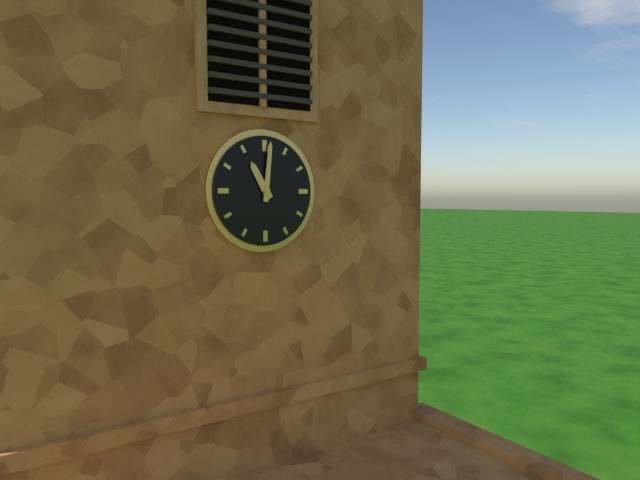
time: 11:01
